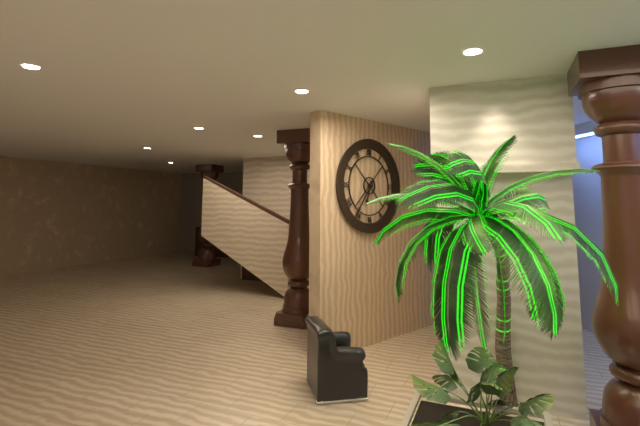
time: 6:36
